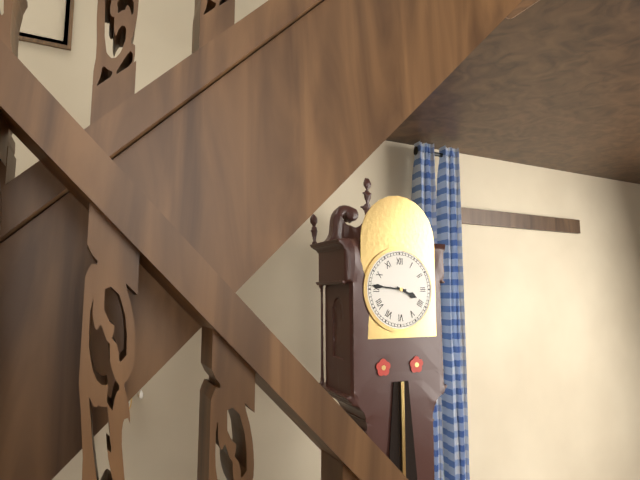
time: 3:46
